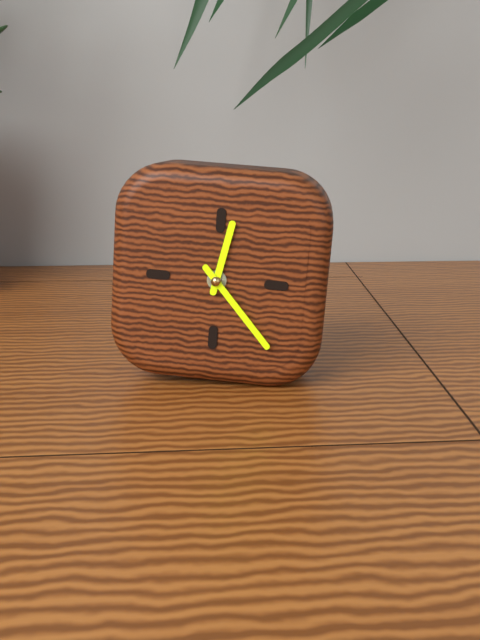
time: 12:23
